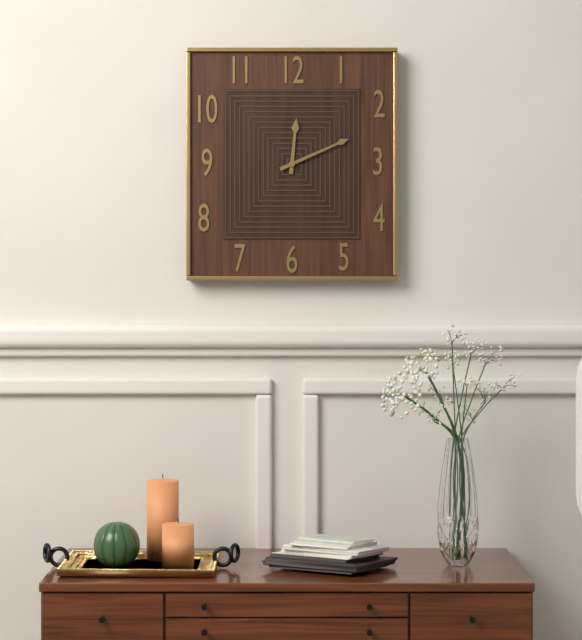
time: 12:11
